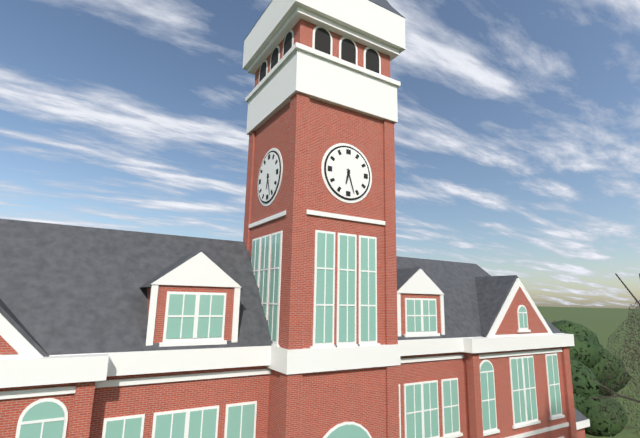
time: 6:27
